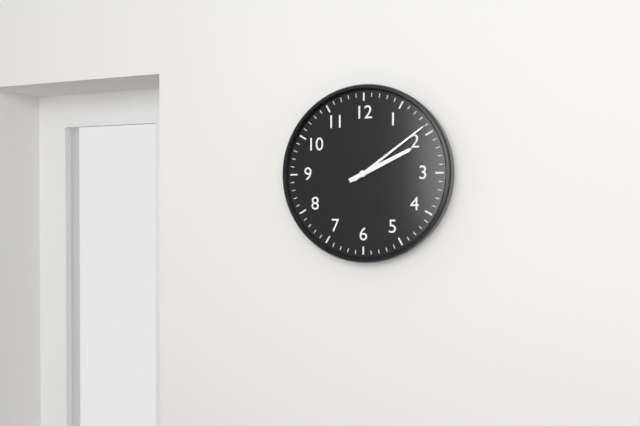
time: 2:09
